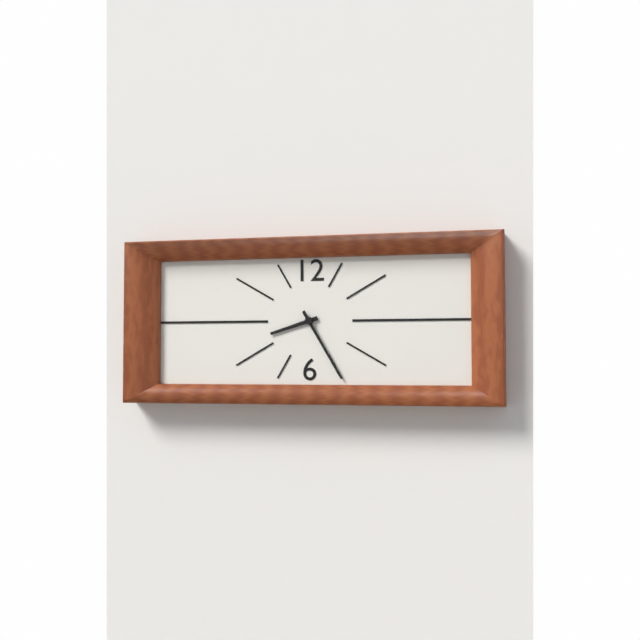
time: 8:25
